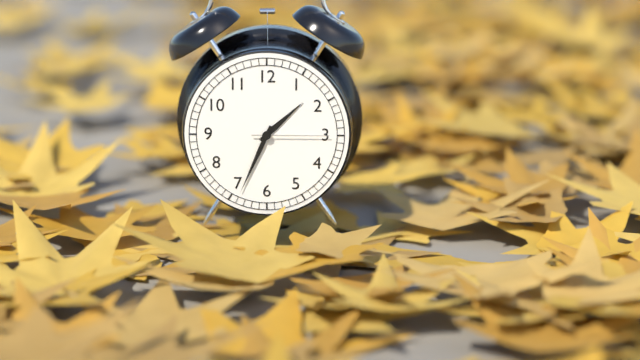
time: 1:34:15
